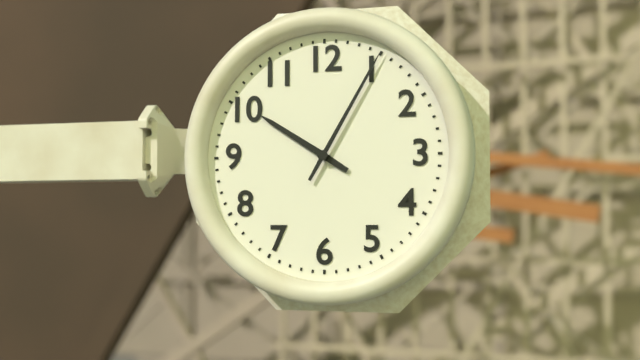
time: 10:05
